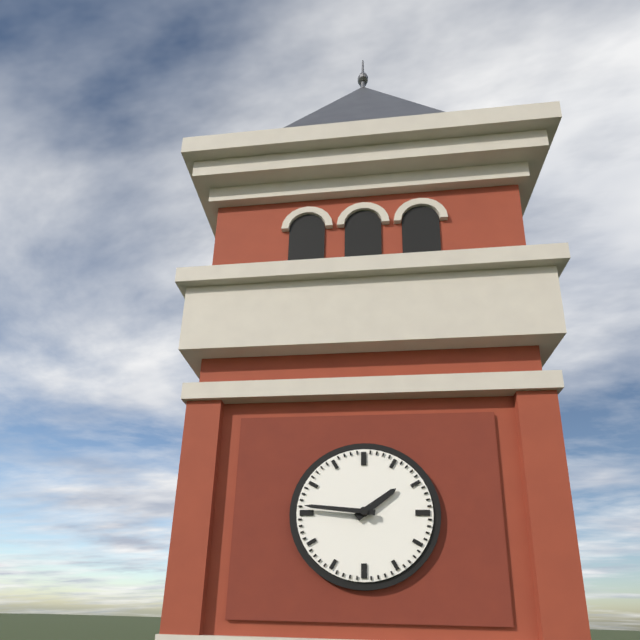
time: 1:46
